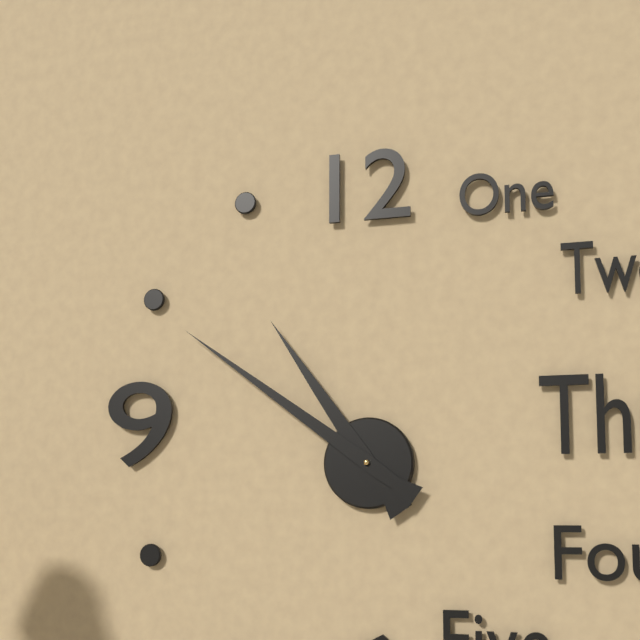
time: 10:51
